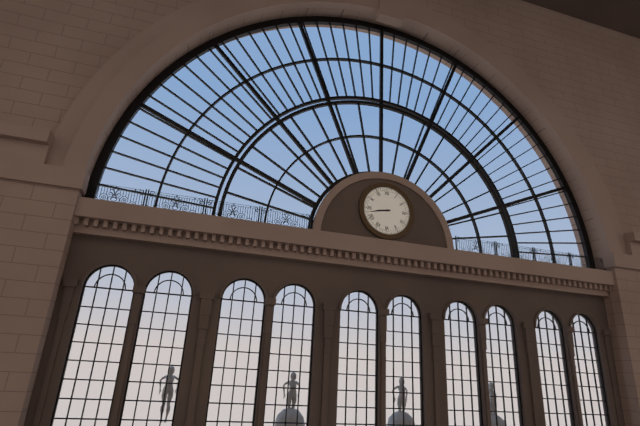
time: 8:43
